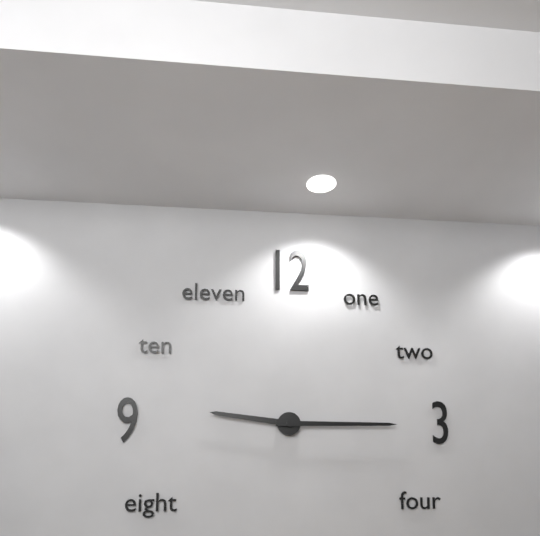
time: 9:15
